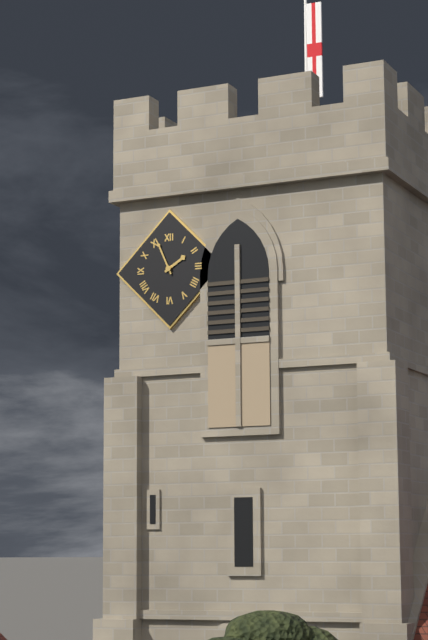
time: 1:56
